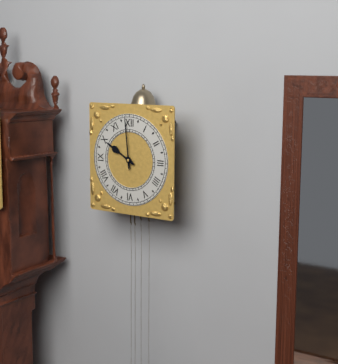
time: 9:59
